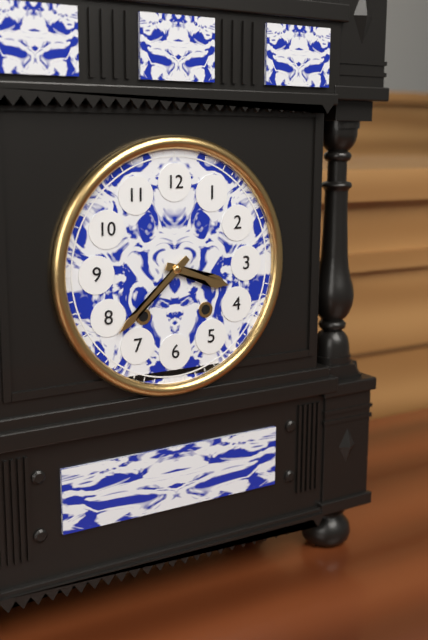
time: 3:38
